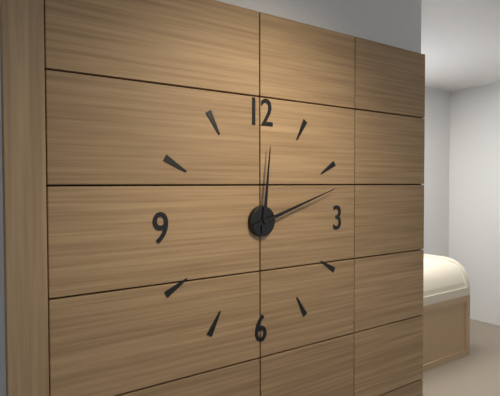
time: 12:12
